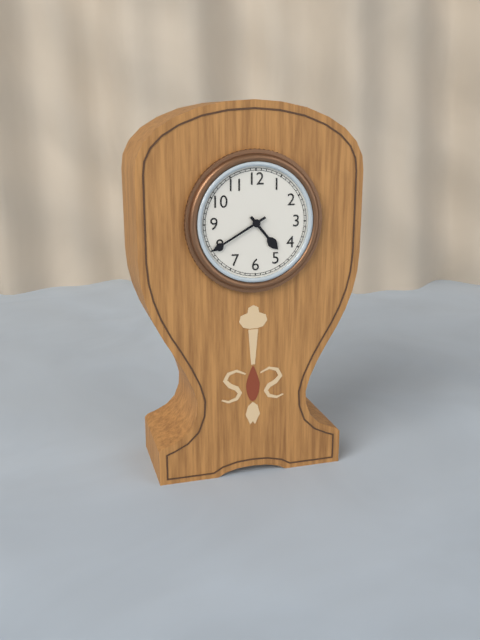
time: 4:40
